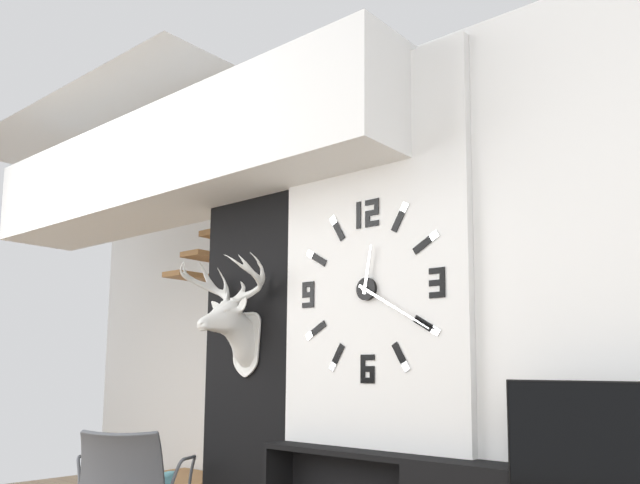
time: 12:20
